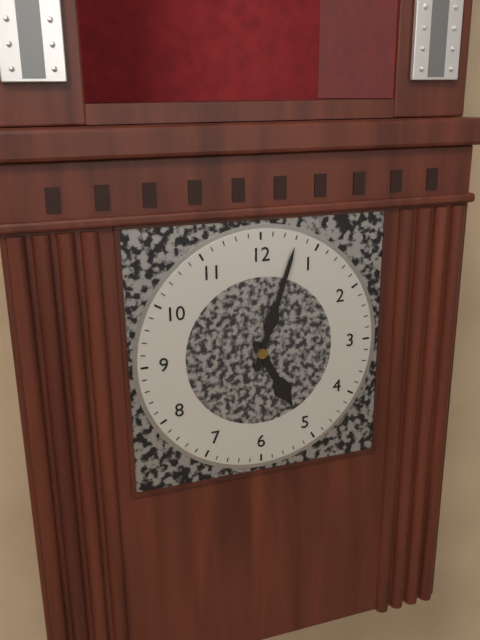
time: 5:03
